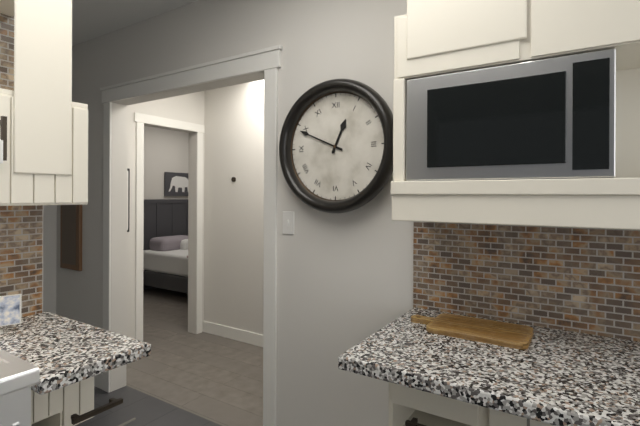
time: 12:49
